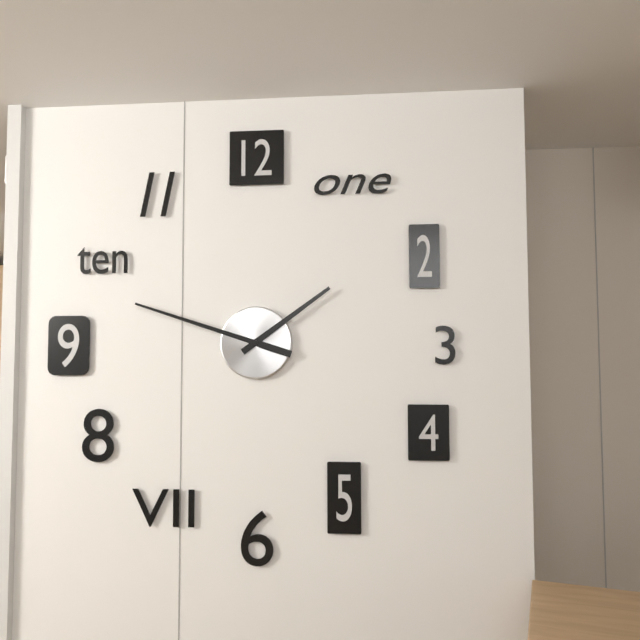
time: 1:48
